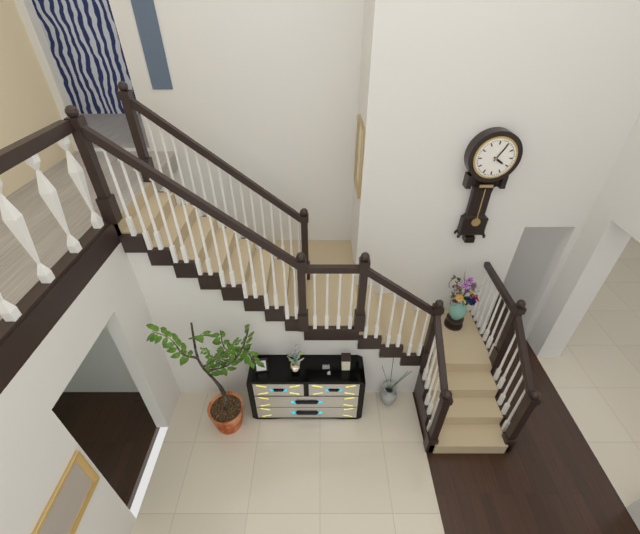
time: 4:05
